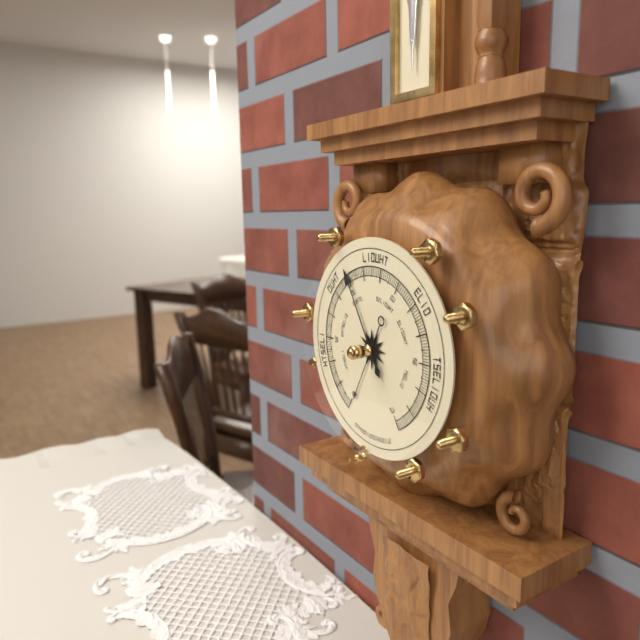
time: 6:55
